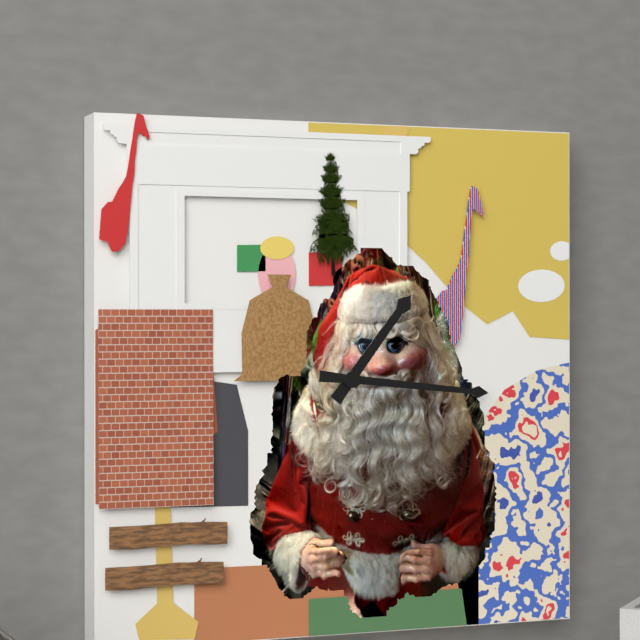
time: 1:16
